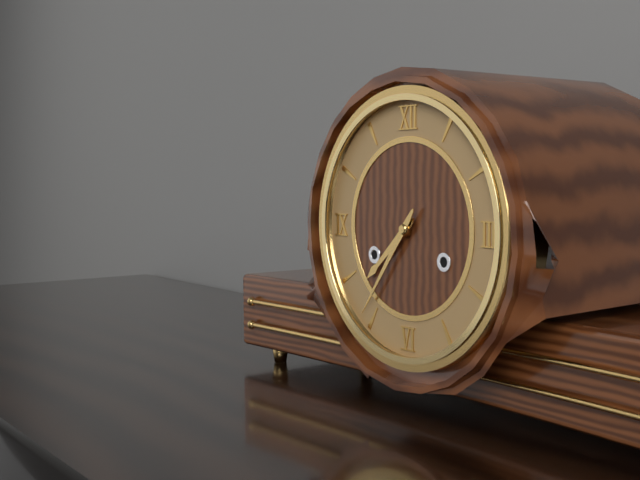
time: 7:36
